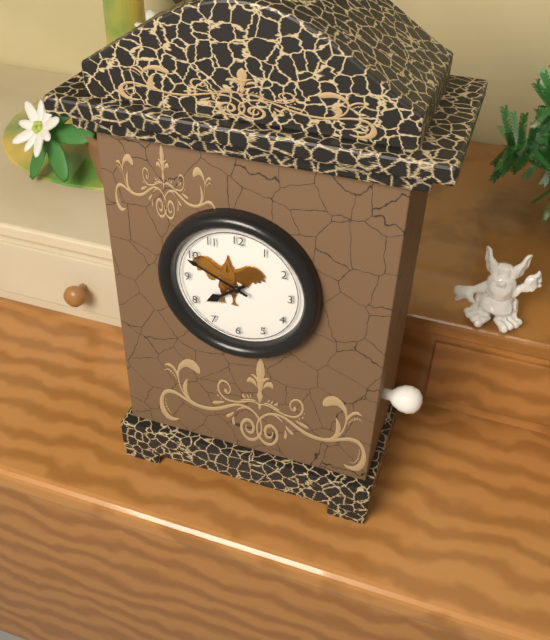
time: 7:49
